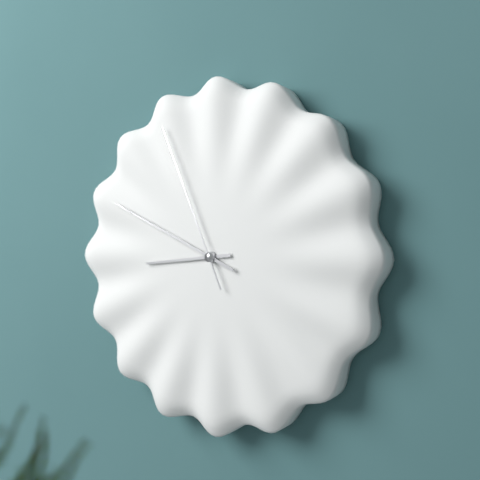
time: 8:49:56
